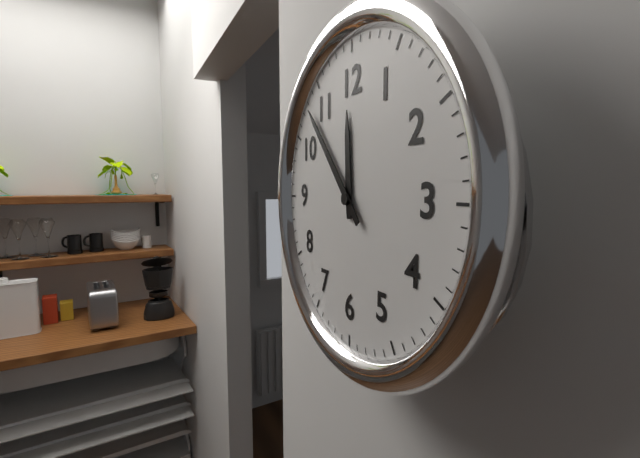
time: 11:53
